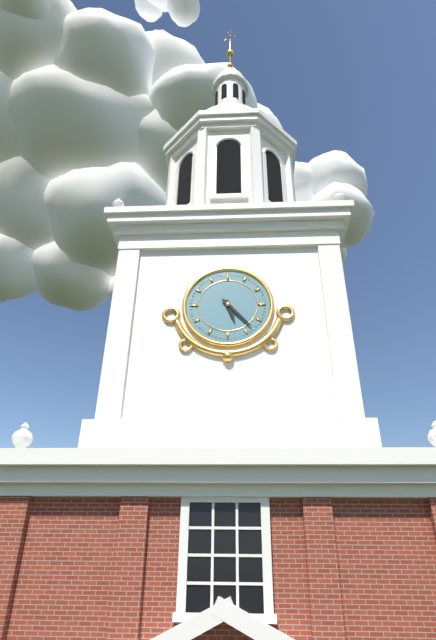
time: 5:23
